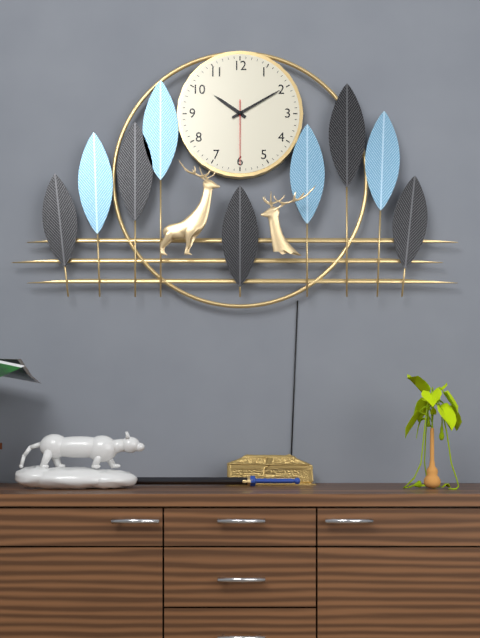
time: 10:10:30
